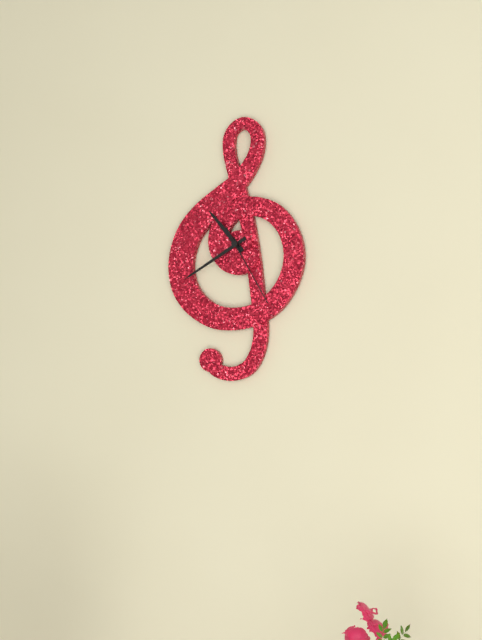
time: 10:40:25
